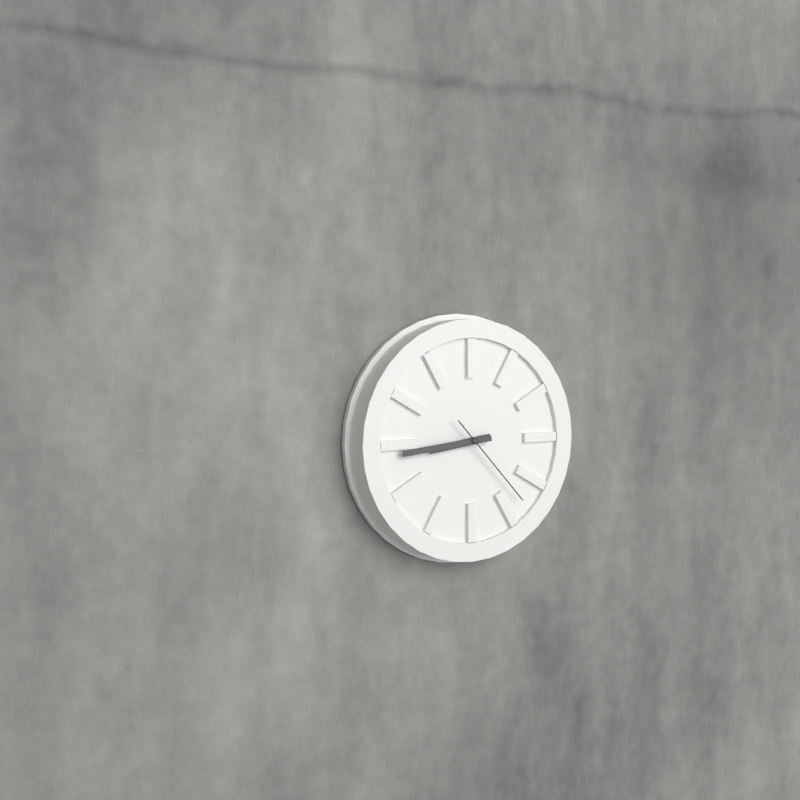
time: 8:44:23
